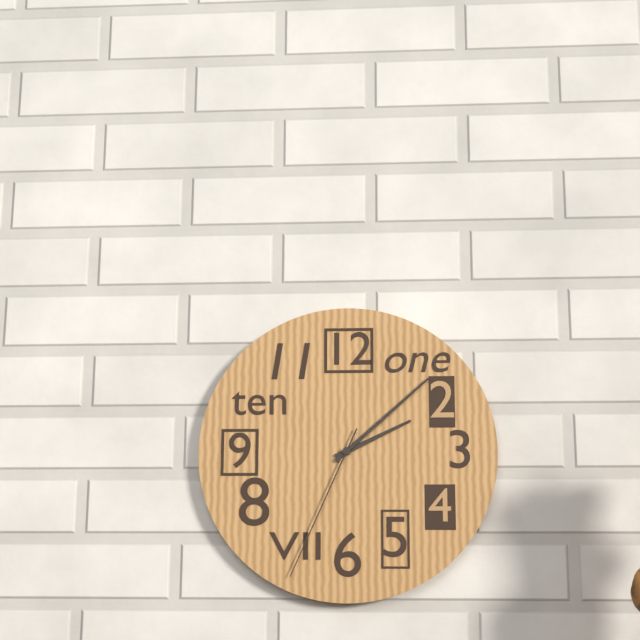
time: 2:08:34
